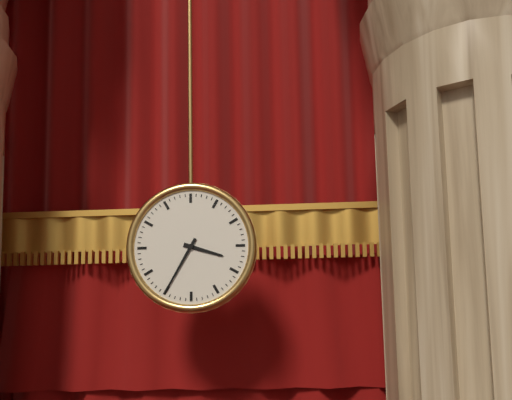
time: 3:35
